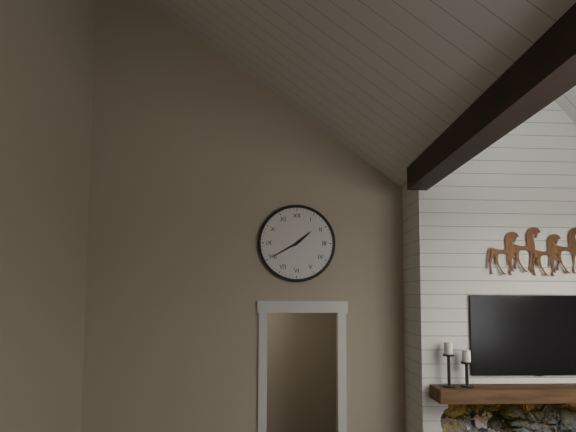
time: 1:40
